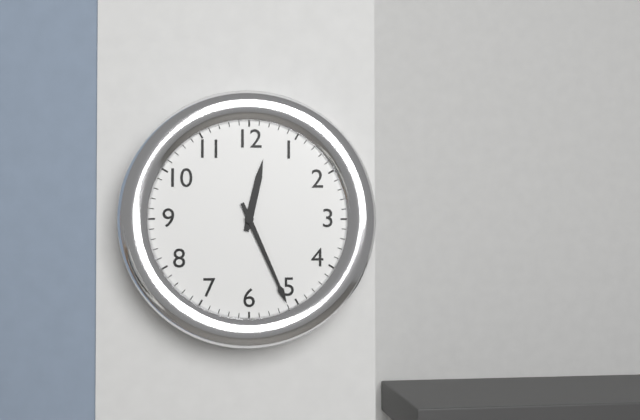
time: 12:26
